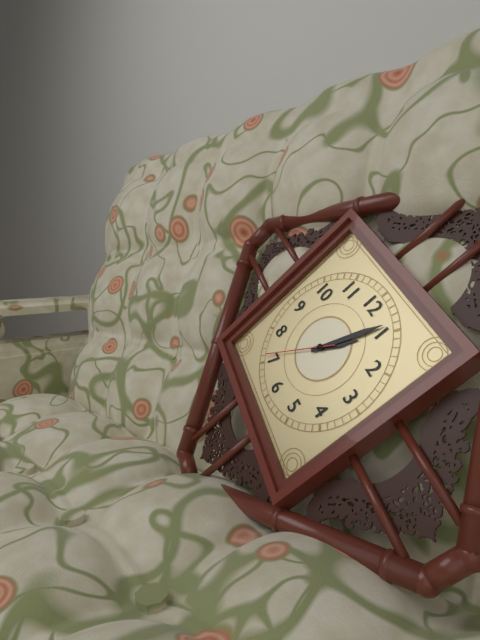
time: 1:04:36
